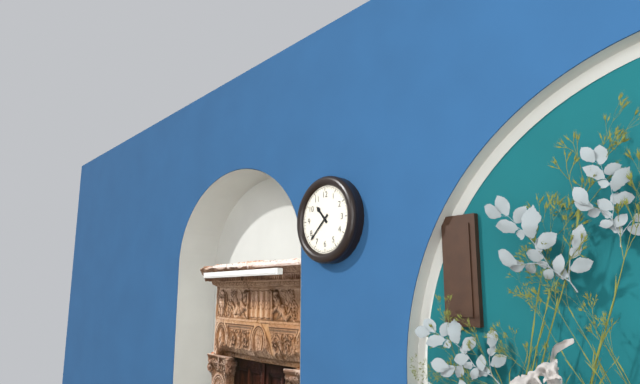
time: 10:38
